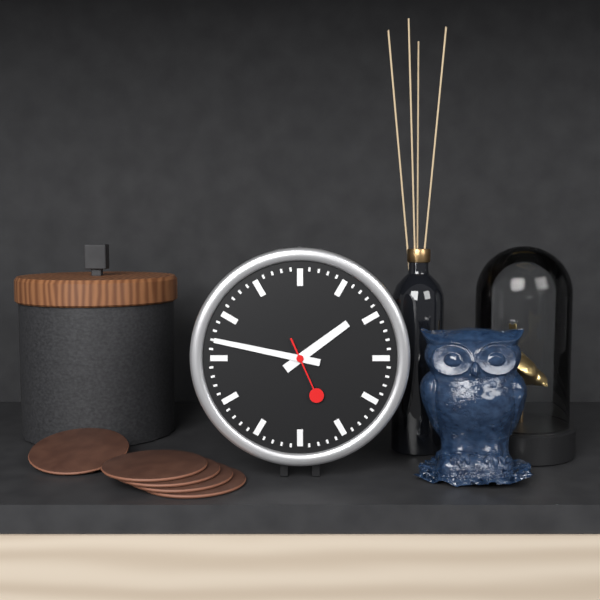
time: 1:47:26
